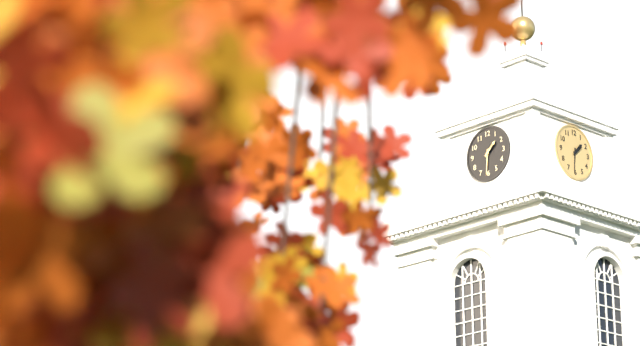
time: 1:31
